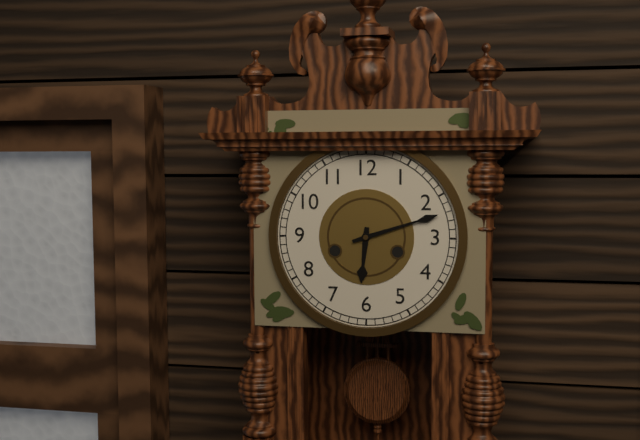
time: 6:12
